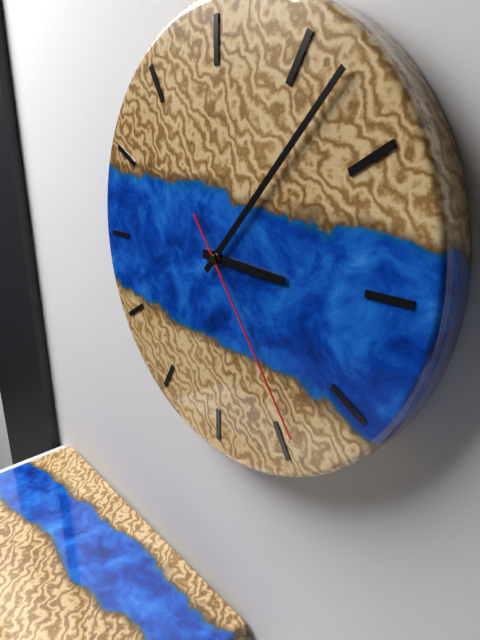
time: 3:07:24
